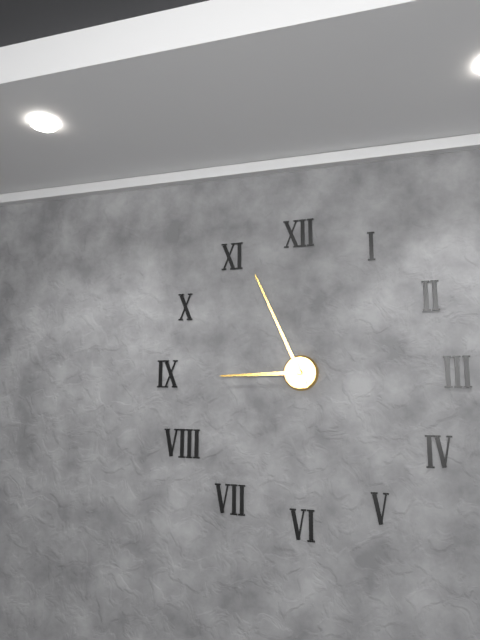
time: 8:56
